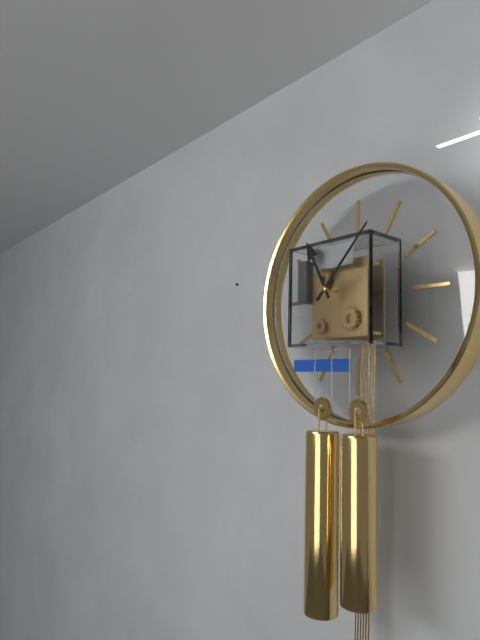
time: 11:07
